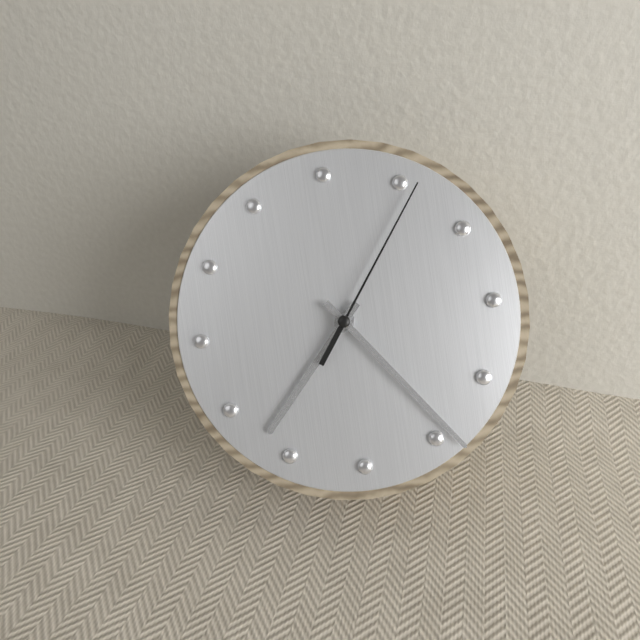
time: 7:24:06
